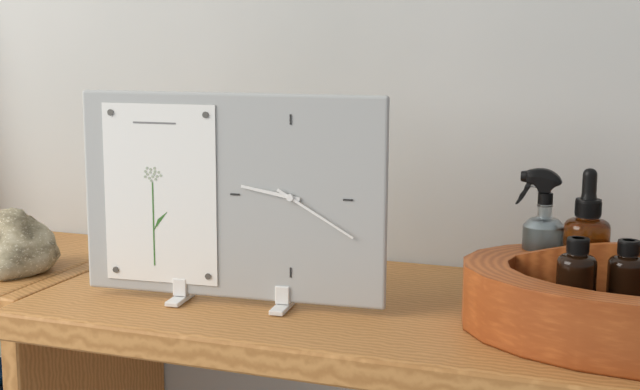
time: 9:20
